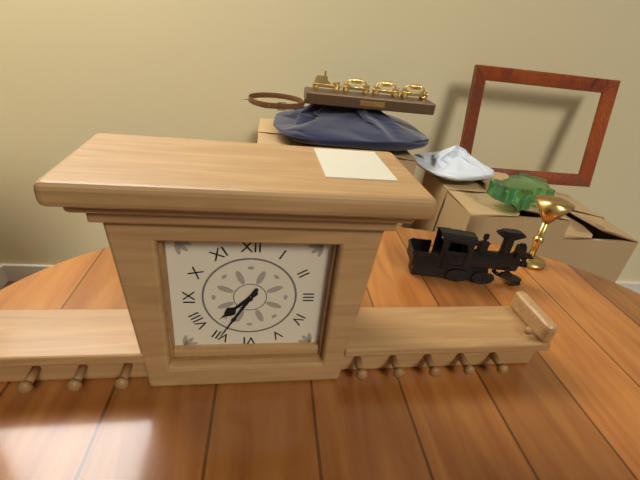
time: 7:35
